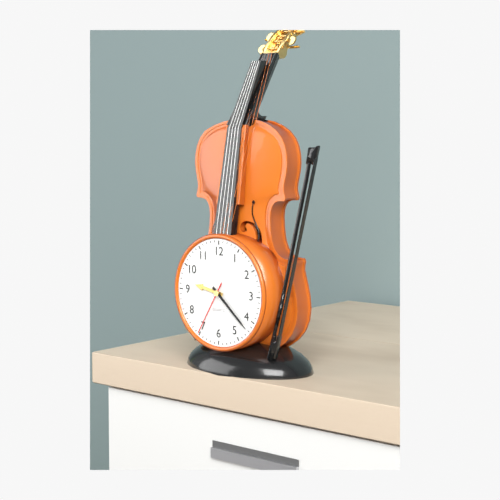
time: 9:22:35
